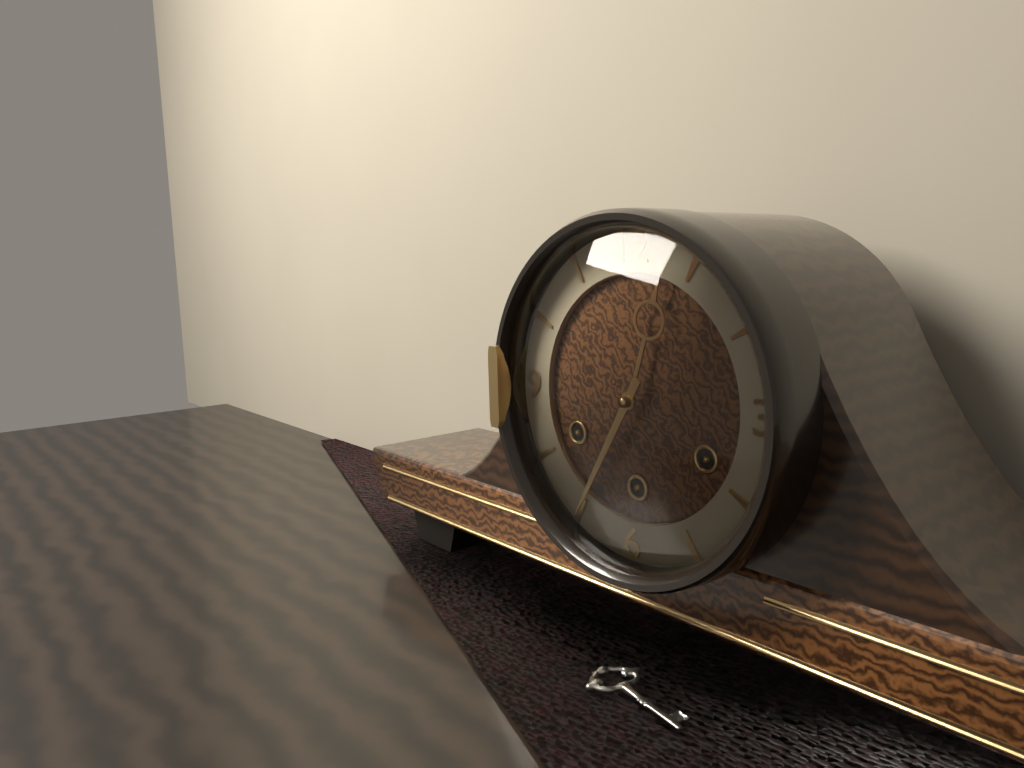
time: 12:35
